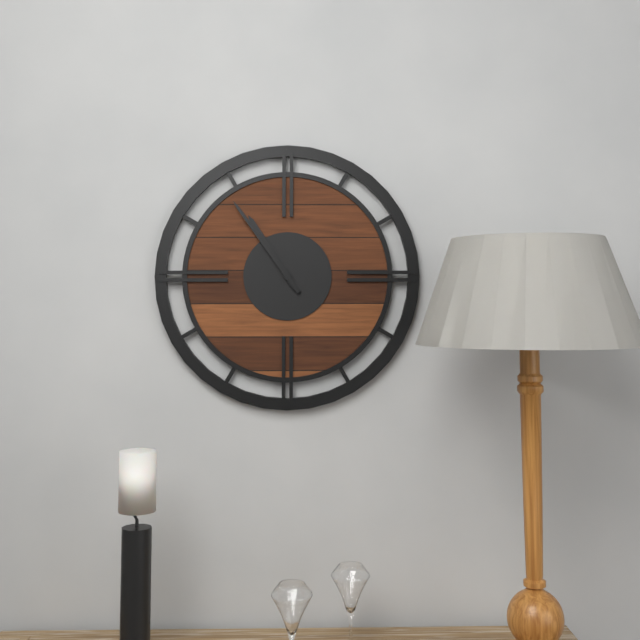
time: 10:54
